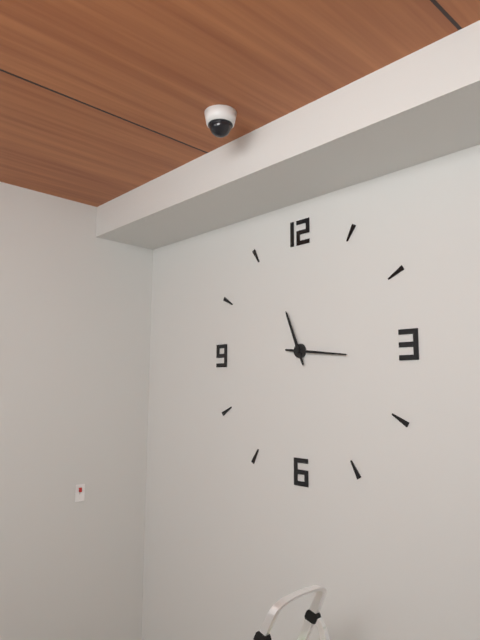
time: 11:16
